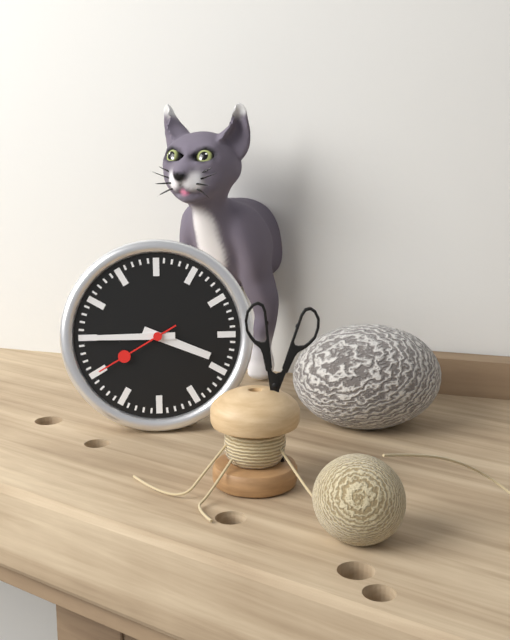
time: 3:45:40
